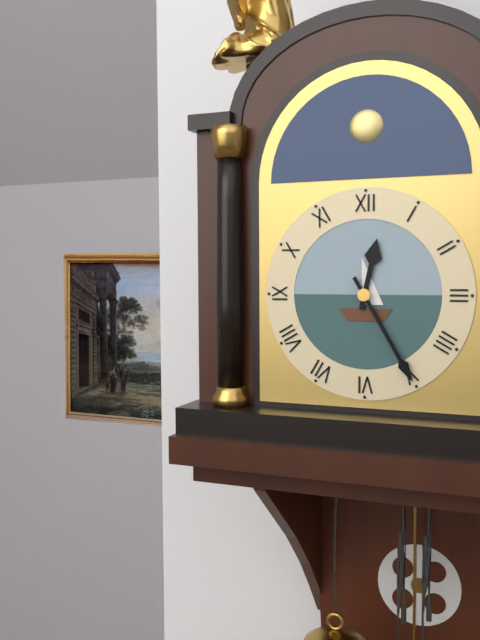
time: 12:25
